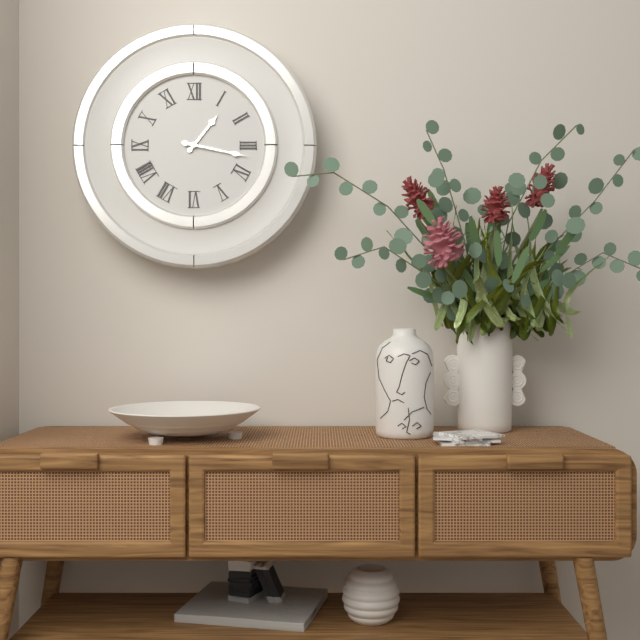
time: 1:17
